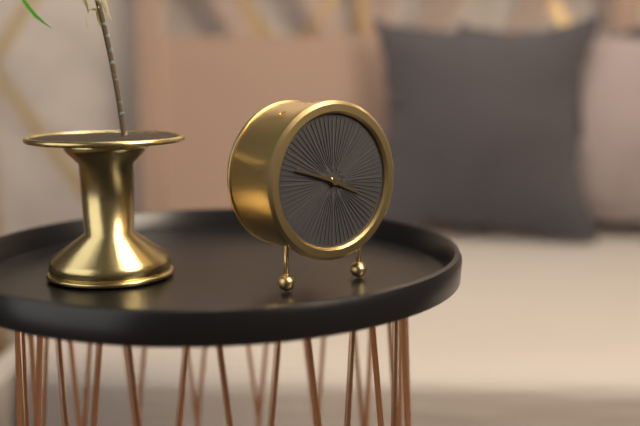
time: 3:48
